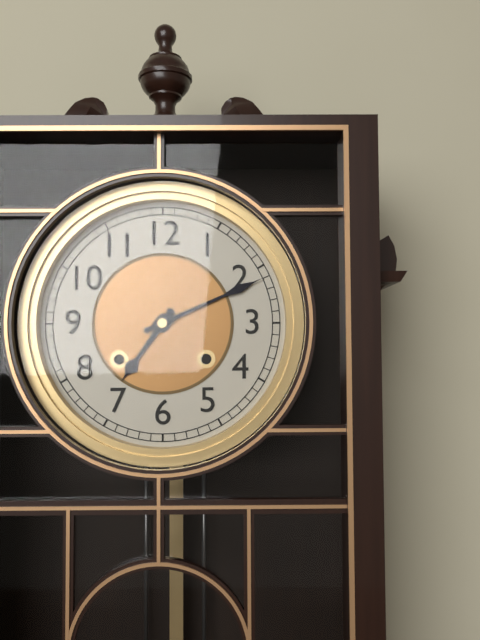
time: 7:11
